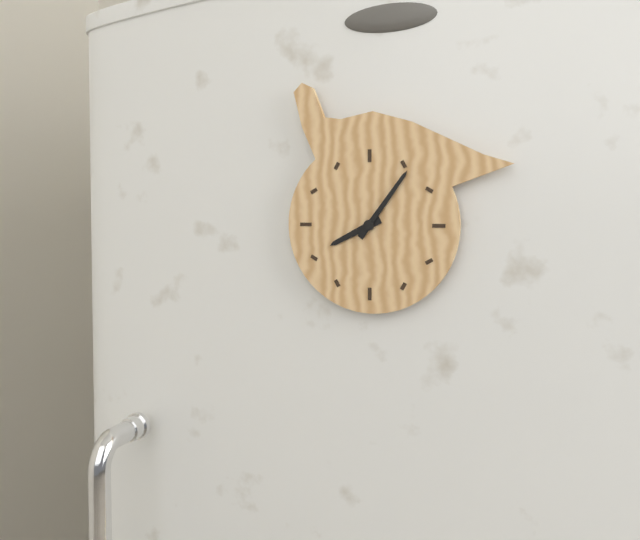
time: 8:06
